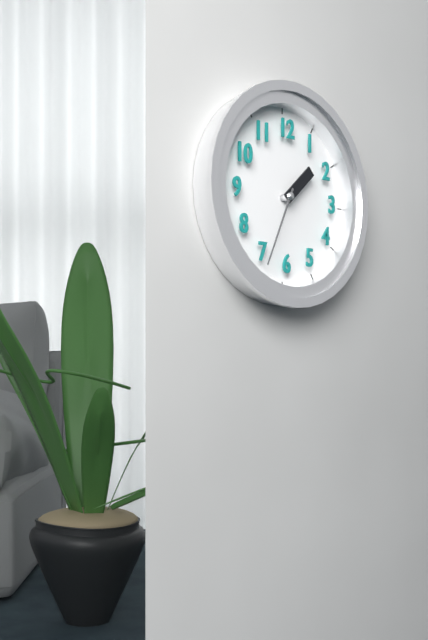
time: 1:34
